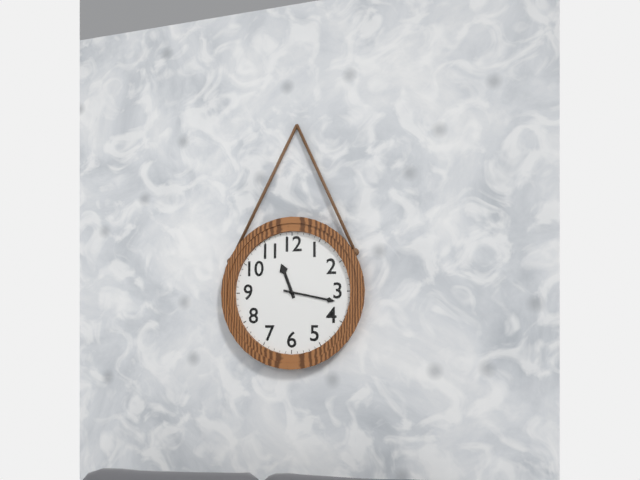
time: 11:17
